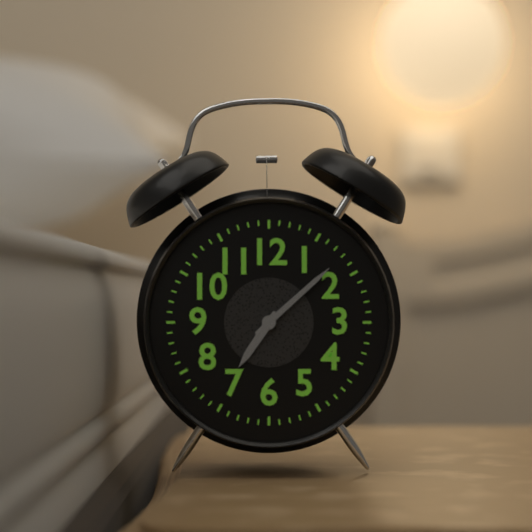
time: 7:08
